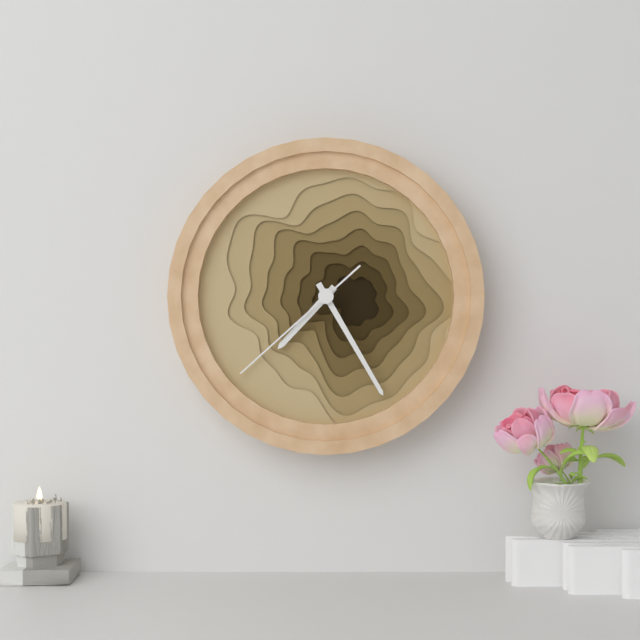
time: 7:25:38
